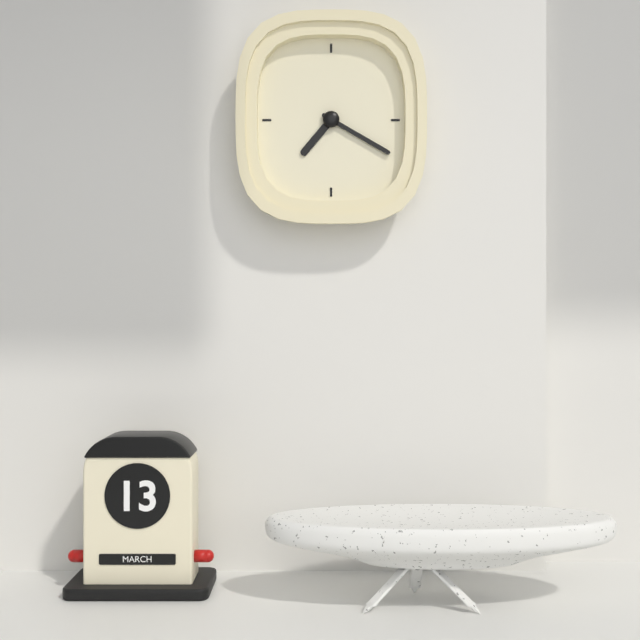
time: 7:20
